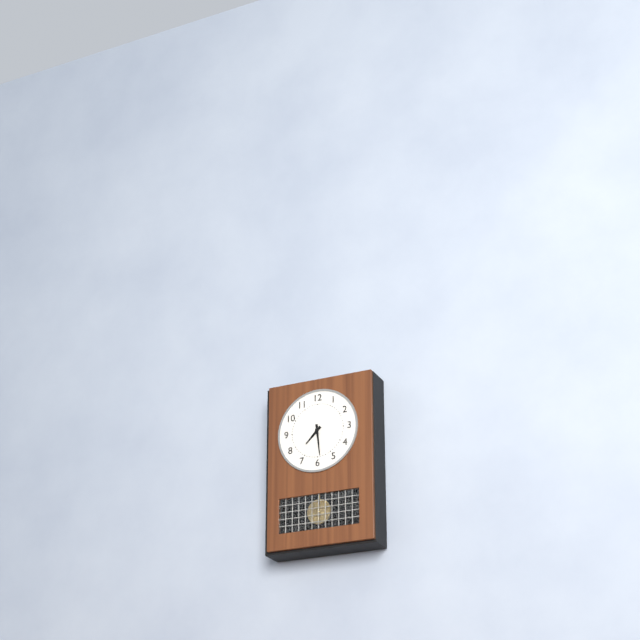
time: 7:29
